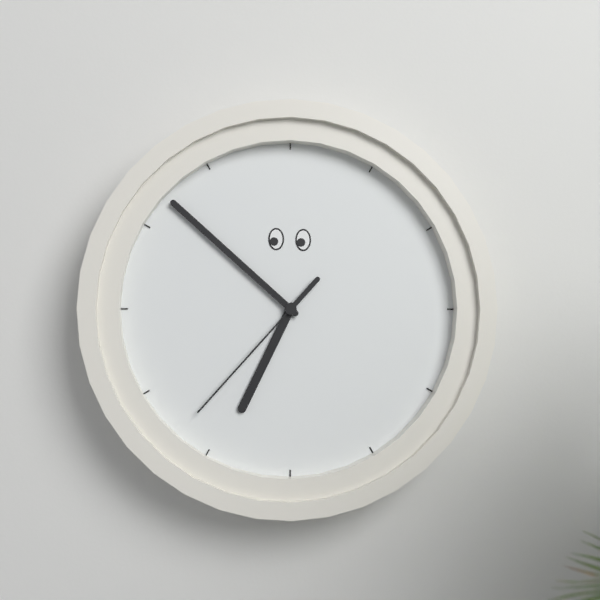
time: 6:52:37
